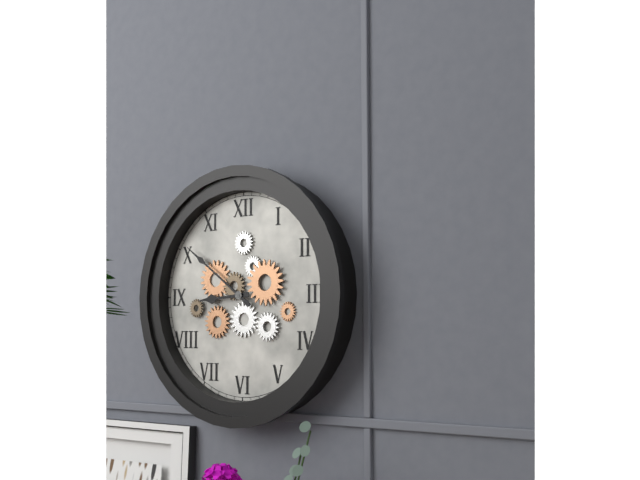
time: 8:51
